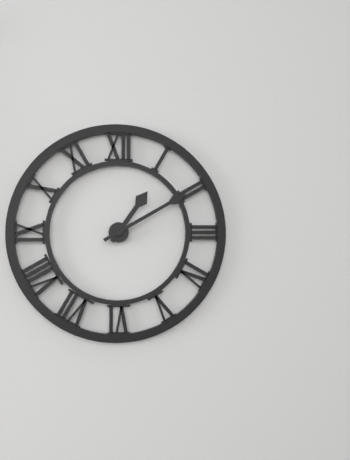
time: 1:10
